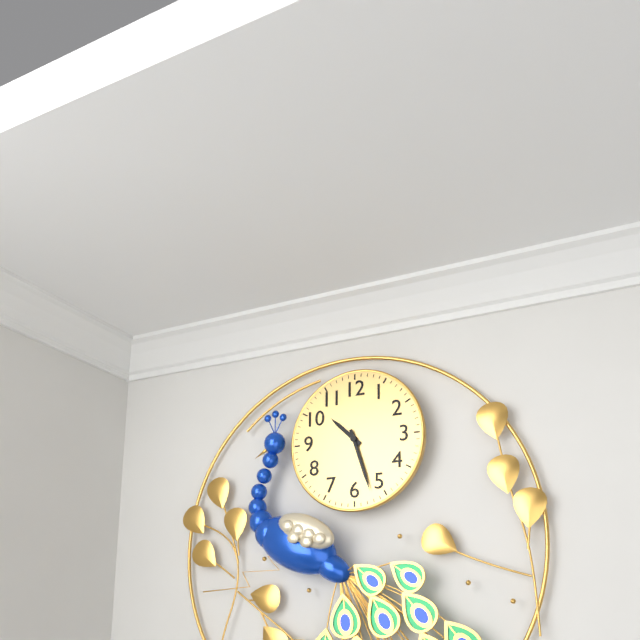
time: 10:27
